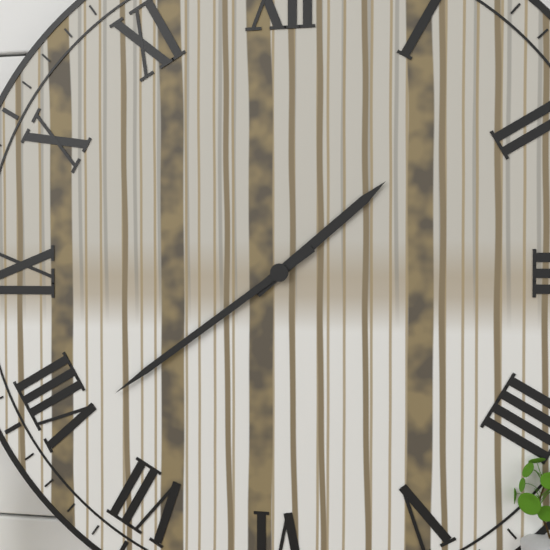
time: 1:39
